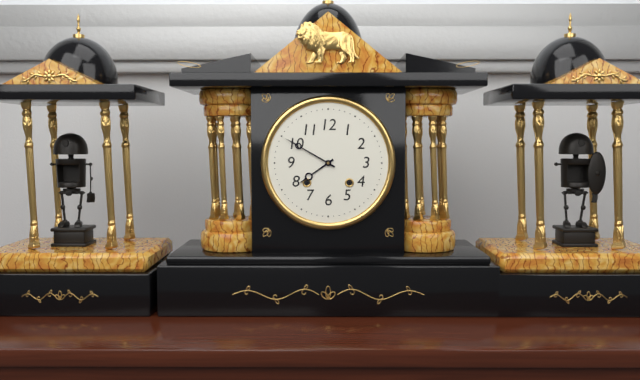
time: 7:50
